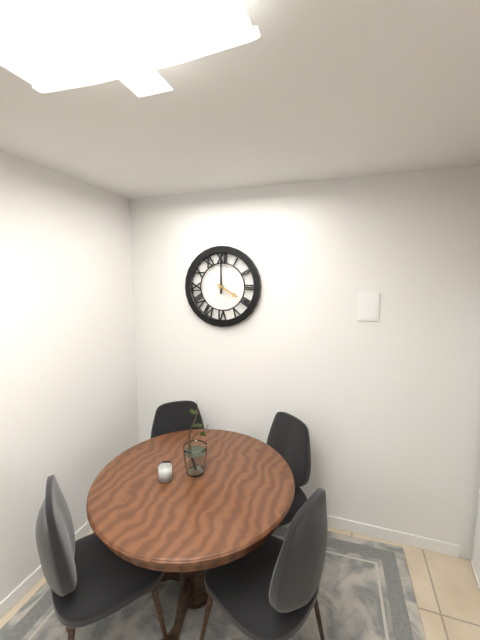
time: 4:00
